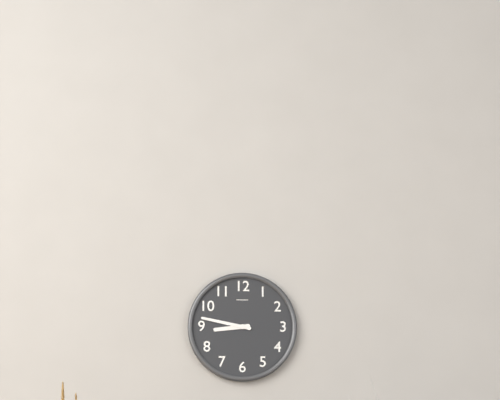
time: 8:47
